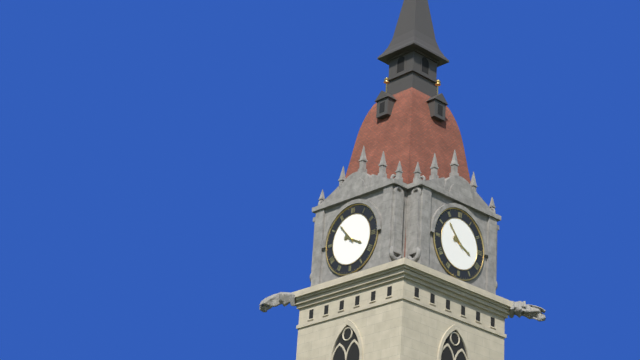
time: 3:53
